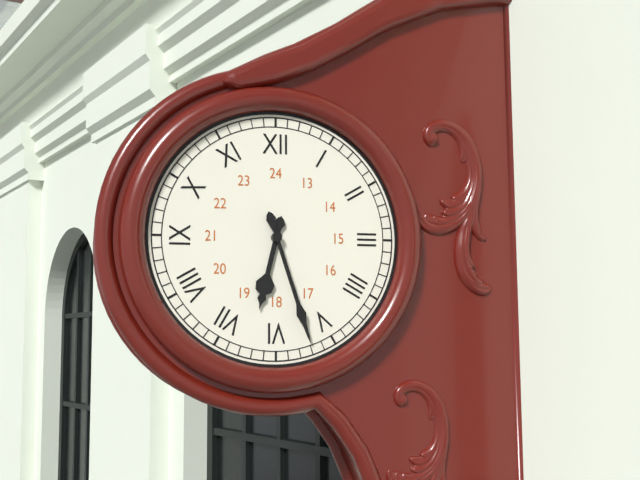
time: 6:27
